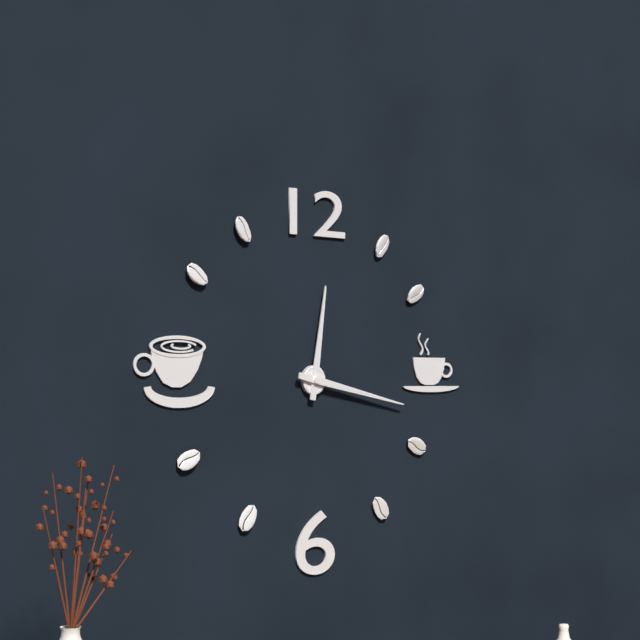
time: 12:17
